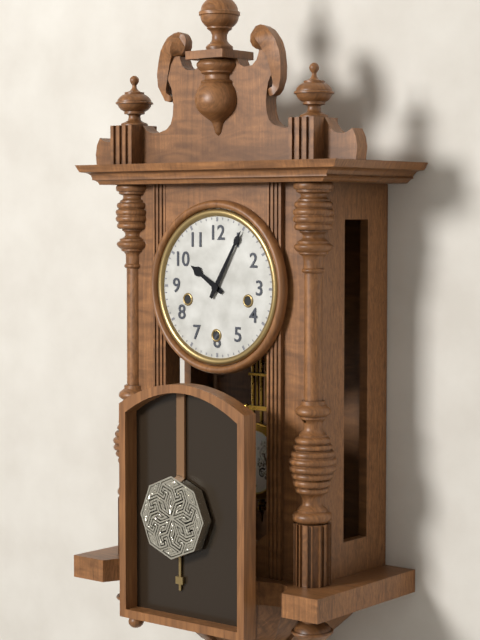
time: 10:05
